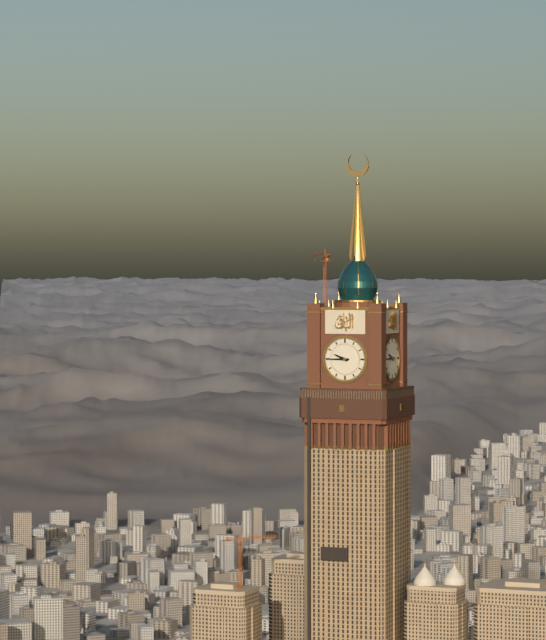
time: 9:45
